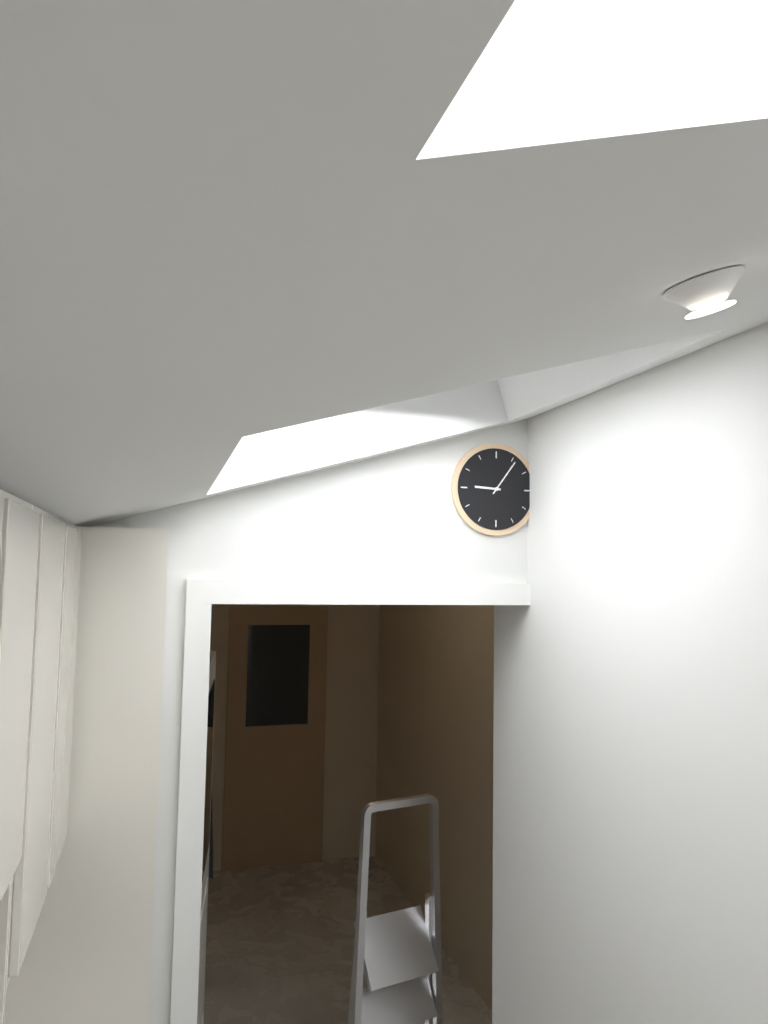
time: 9:06
